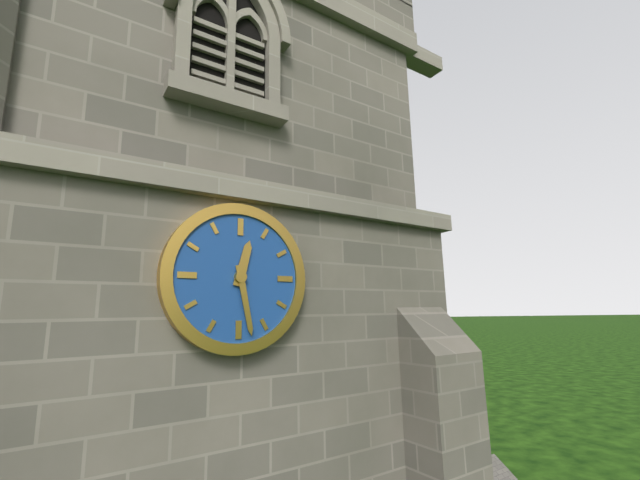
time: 12:28
